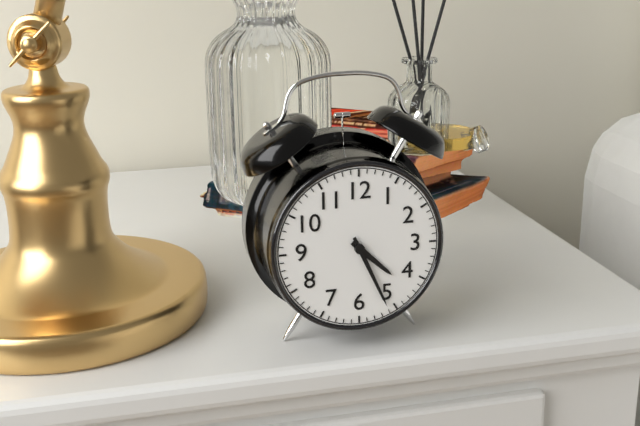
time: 4:26
